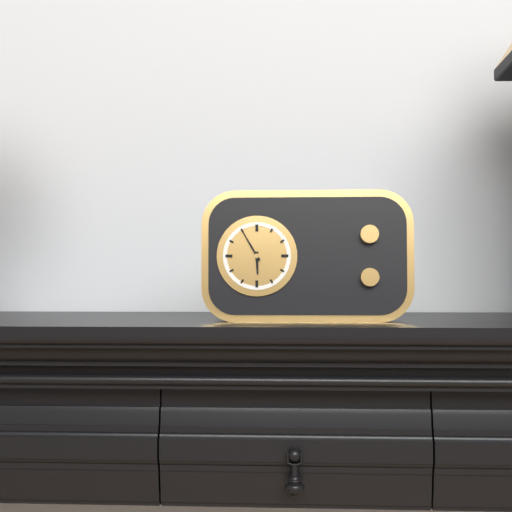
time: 5:55
